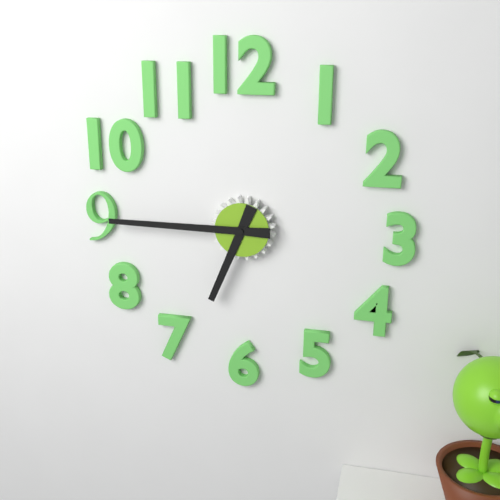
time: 6:45
